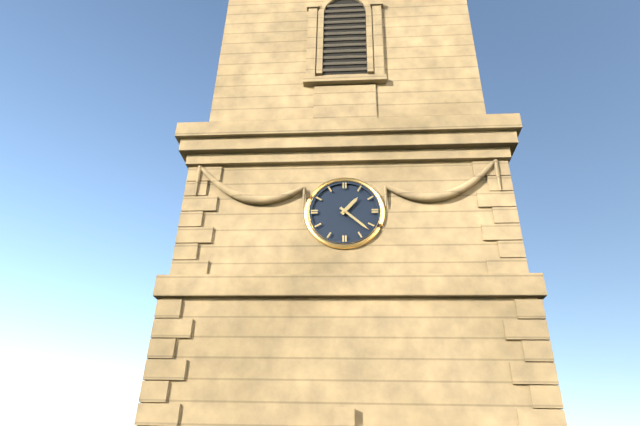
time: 1:22
